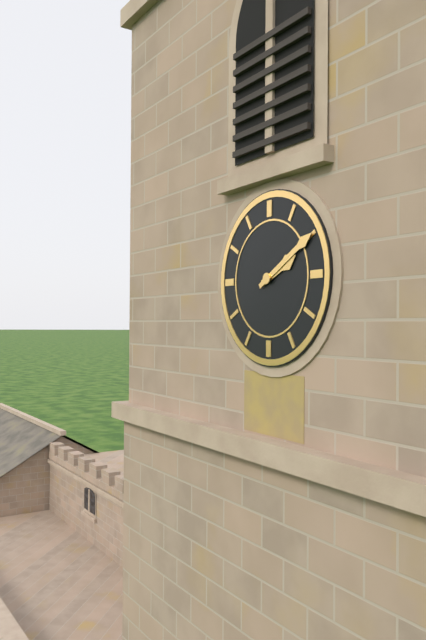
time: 2:10
